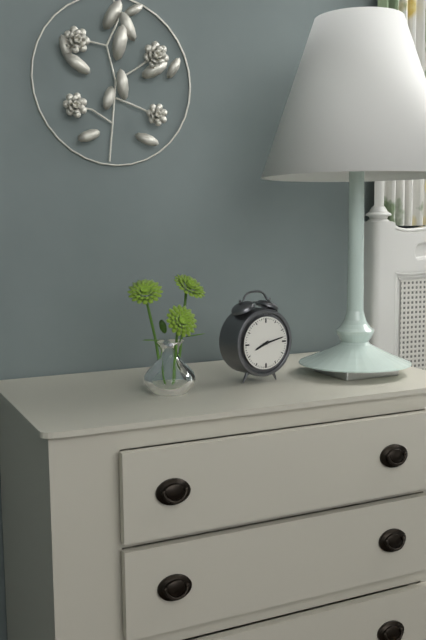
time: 8:13
